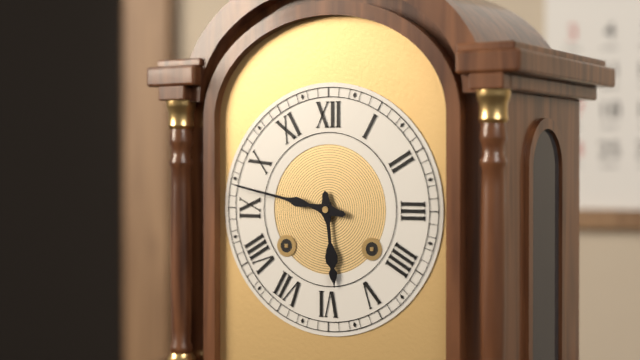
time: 5:47
